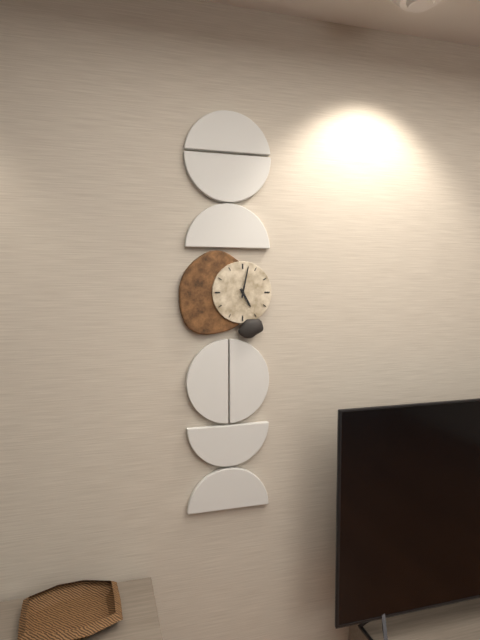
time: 5:02
